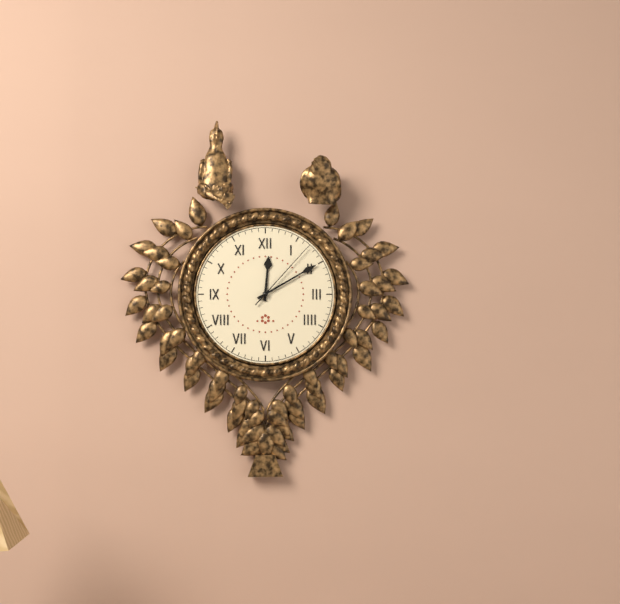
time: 12:10:07
